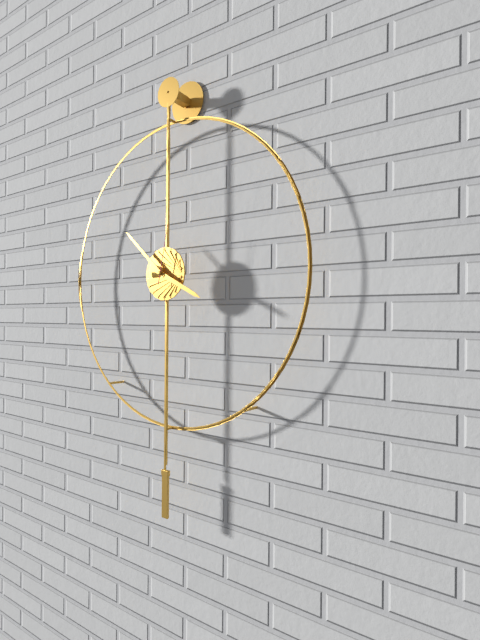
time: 3:52:02
